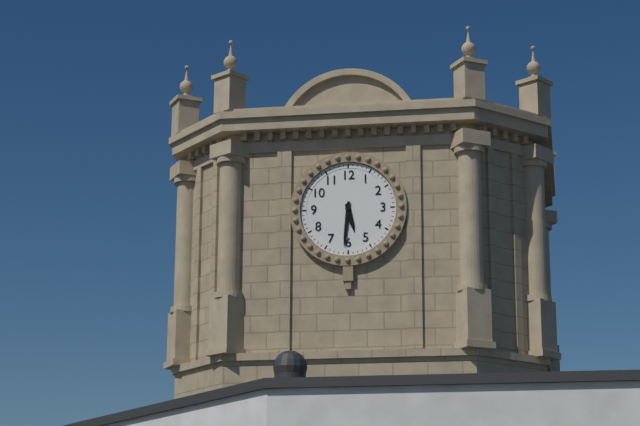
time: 5:31
